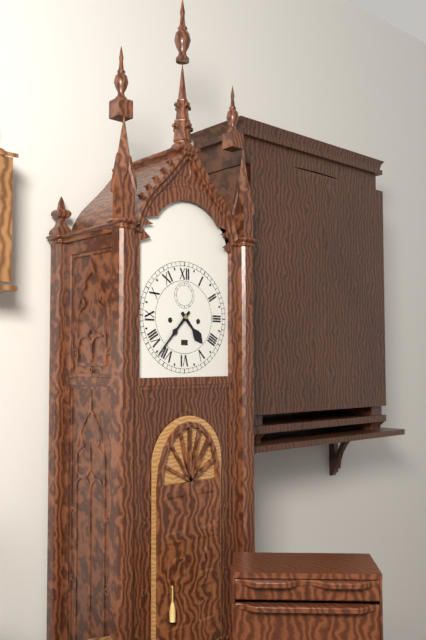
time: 4:37
